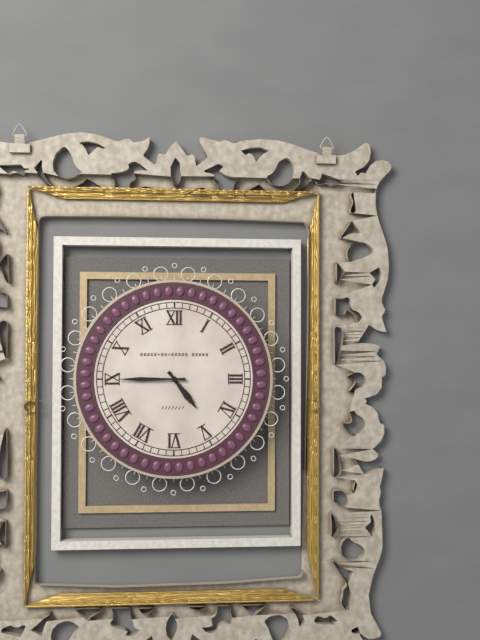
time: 4:45
